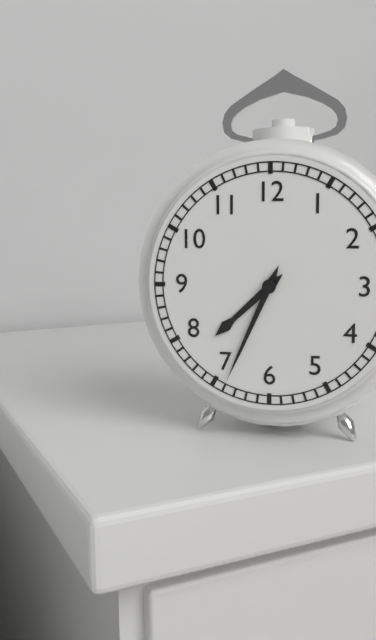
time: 7:34
